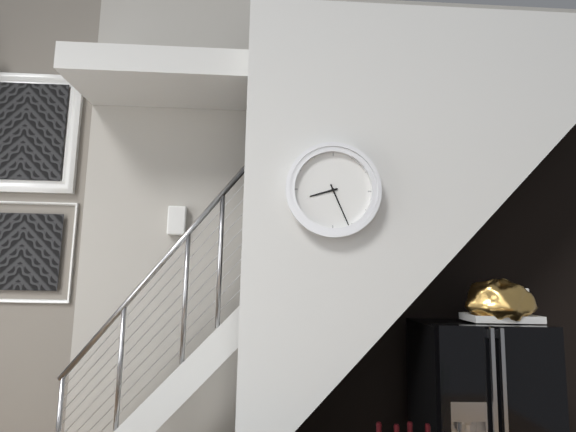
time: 8:26
